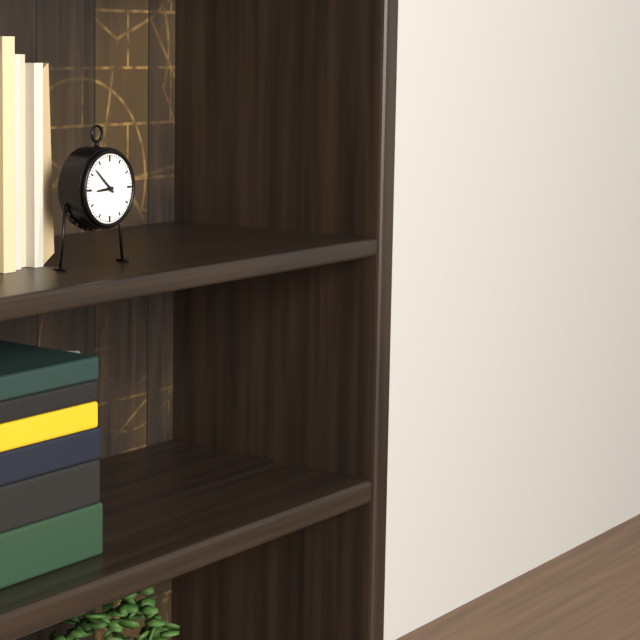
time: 8:52
